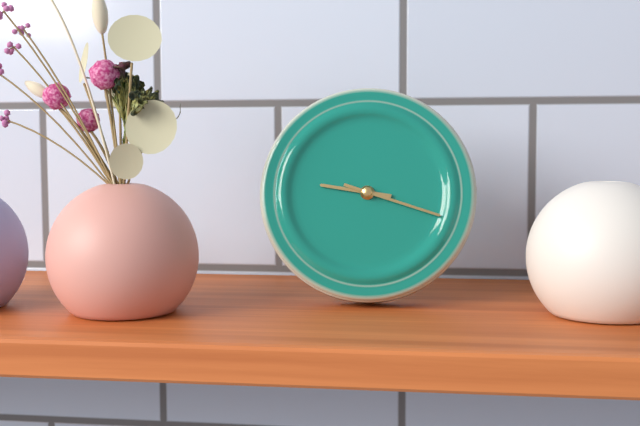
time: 9:18
